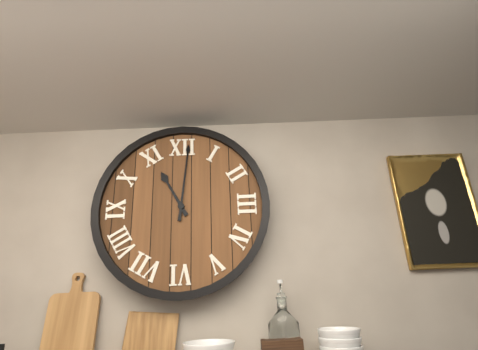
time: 11:01
